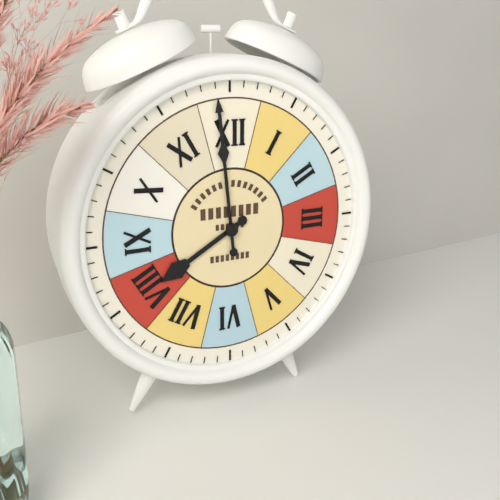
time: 7:59
